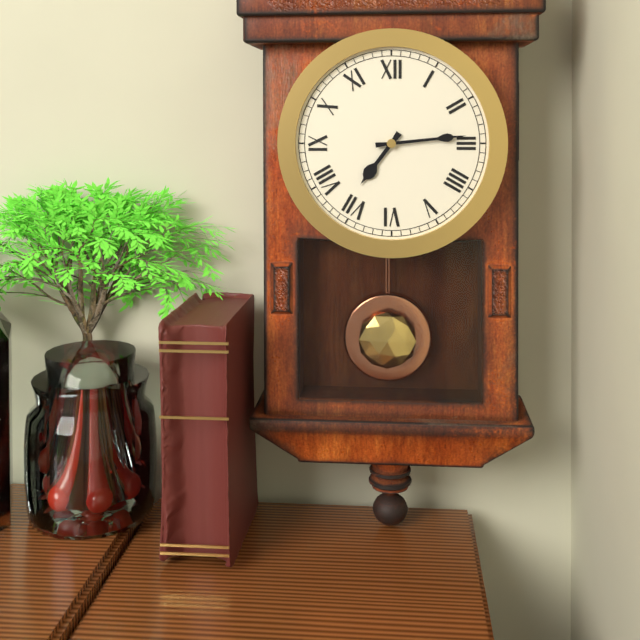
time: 7:14
